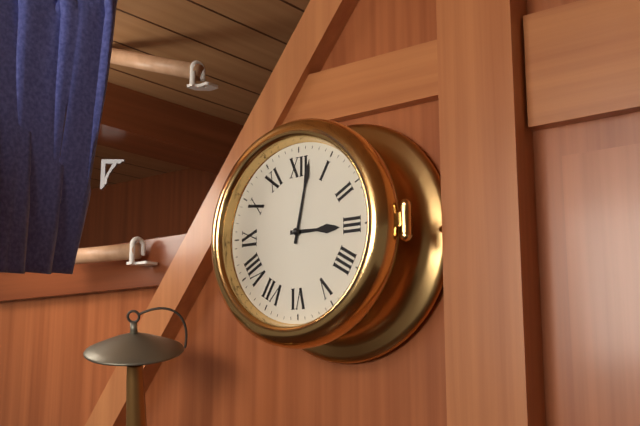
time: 3:02
